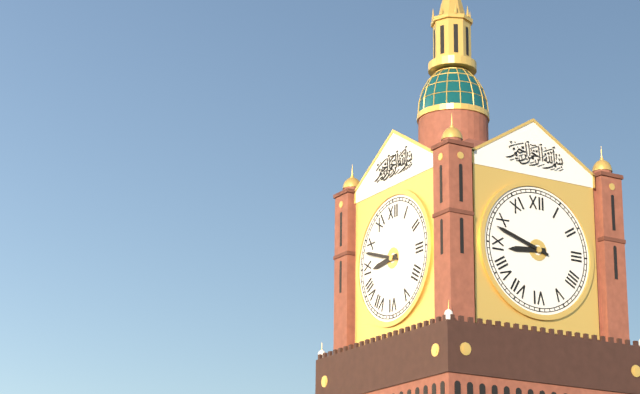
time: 8:48
